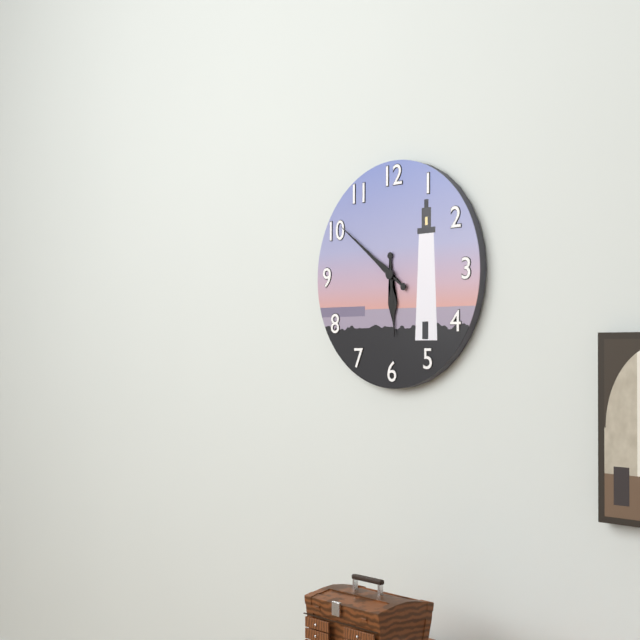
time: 5:51
